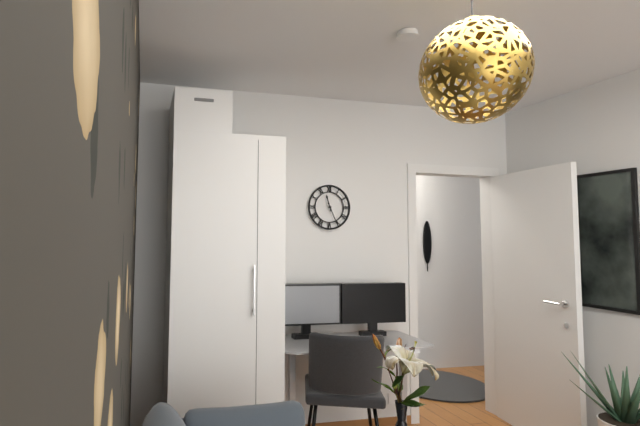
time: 11:26
